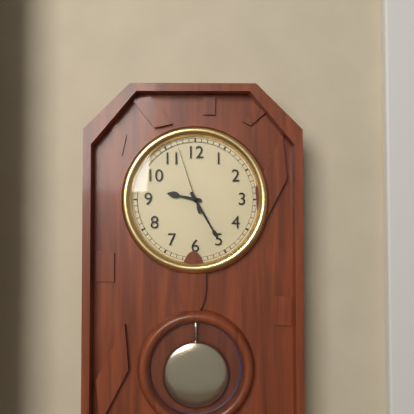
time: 9:25:57
